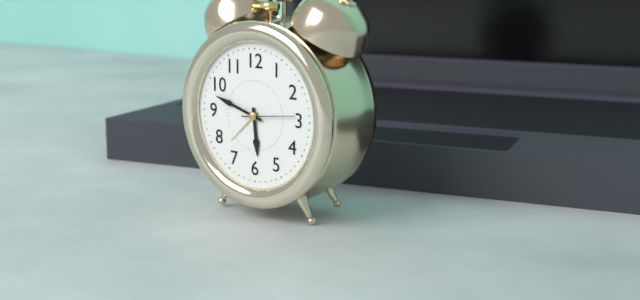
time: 5:48:14
